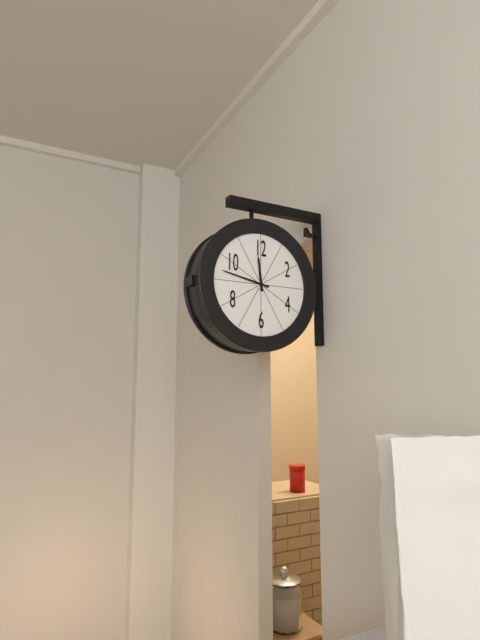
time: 11:47
